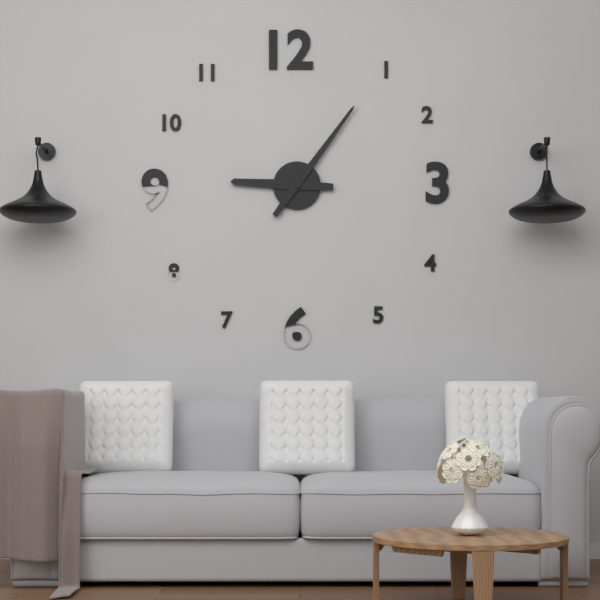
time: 9:06
